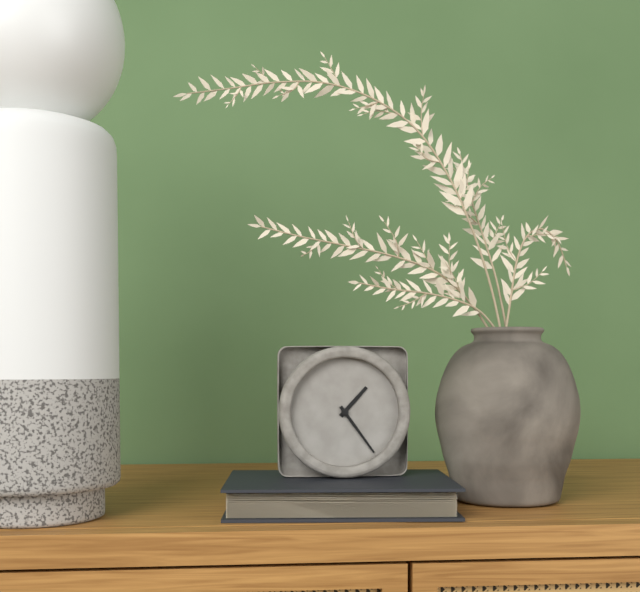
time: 1:24
